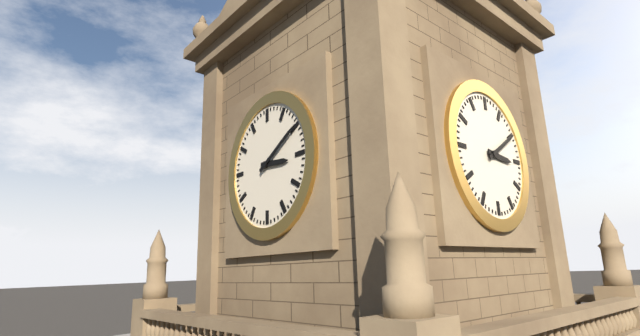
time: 3:10
